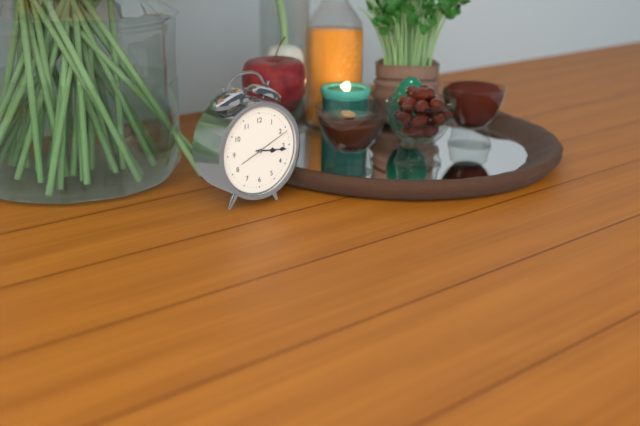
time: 3:16
